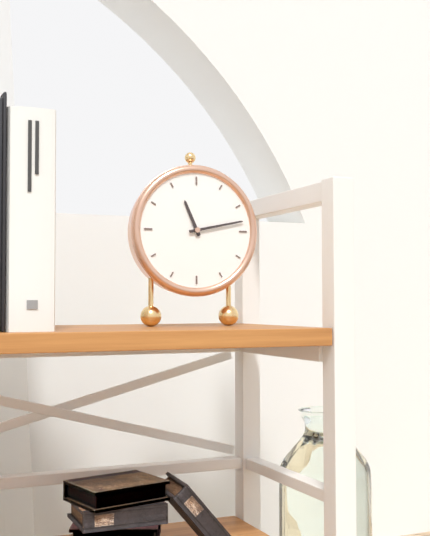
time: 11:13
